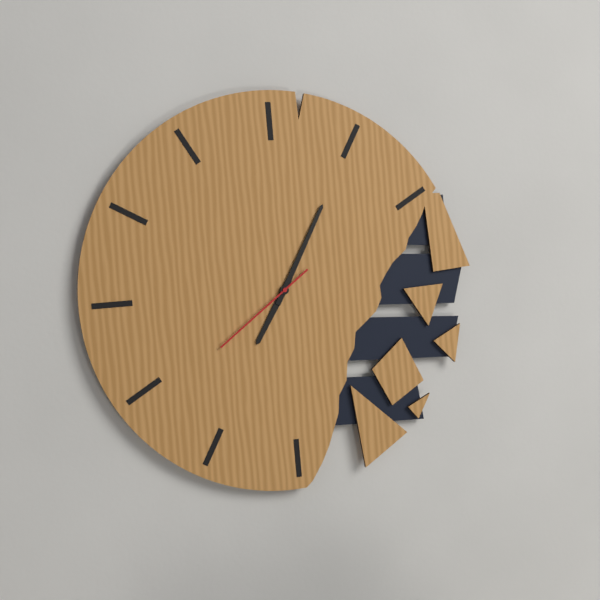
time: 7:05:39
